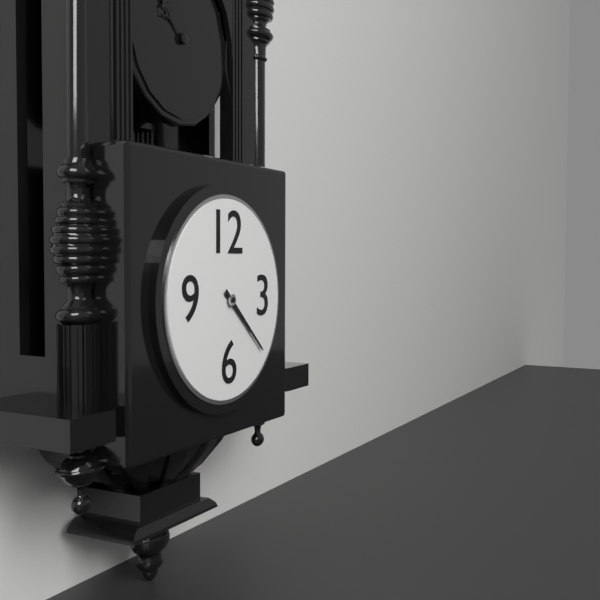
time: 4:22
